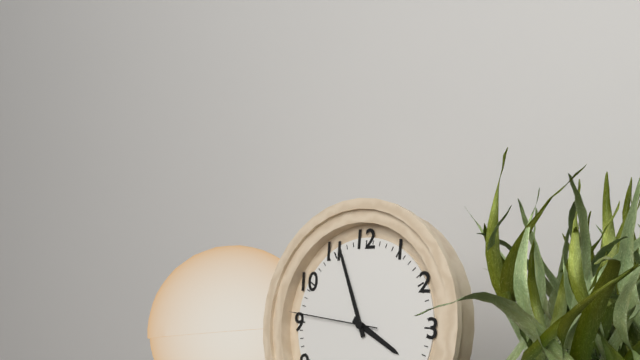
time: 3:56:46
